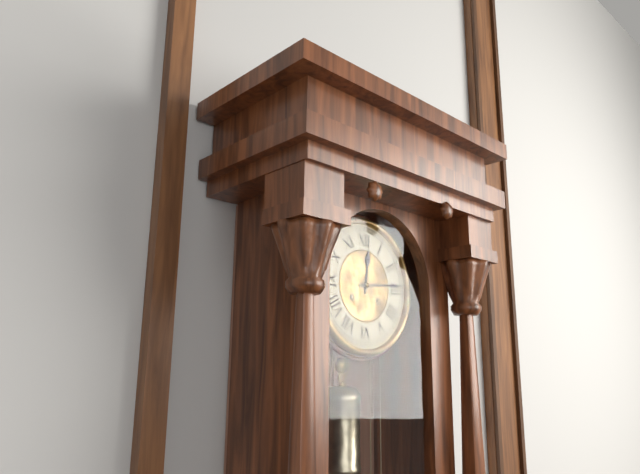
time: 12:14
